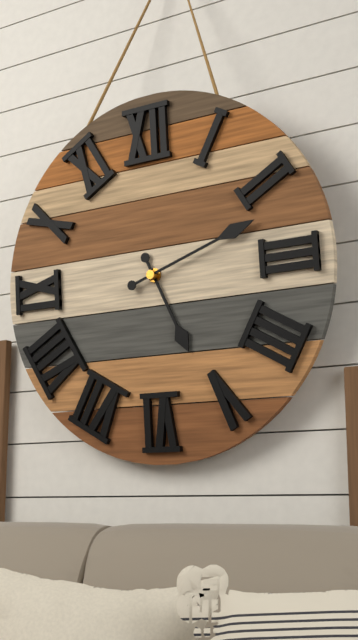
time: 5:12
